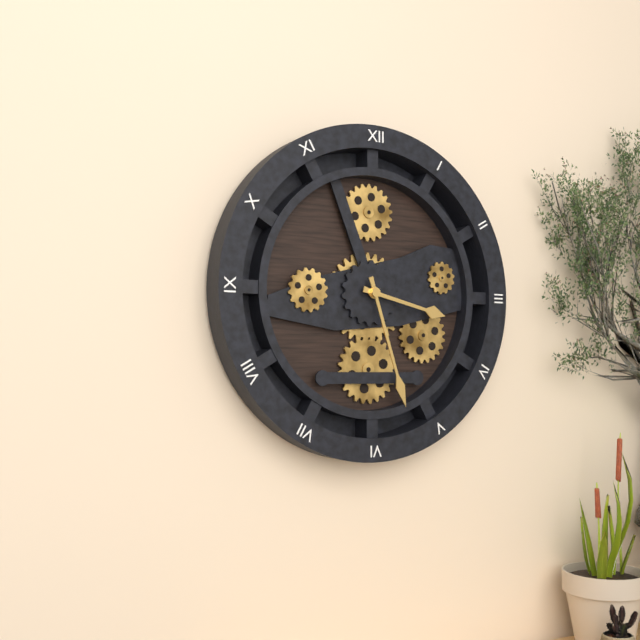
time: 3:27
